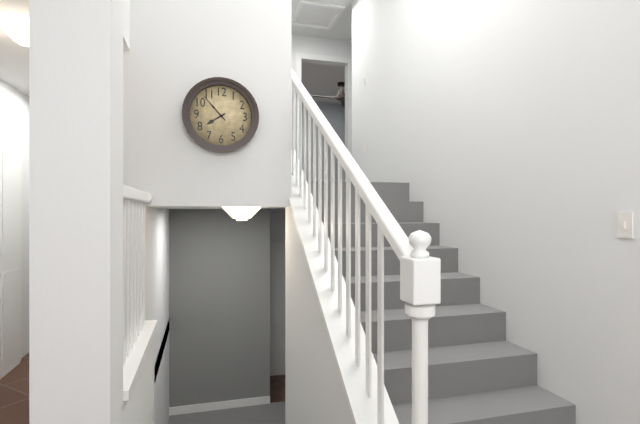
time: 7:53
